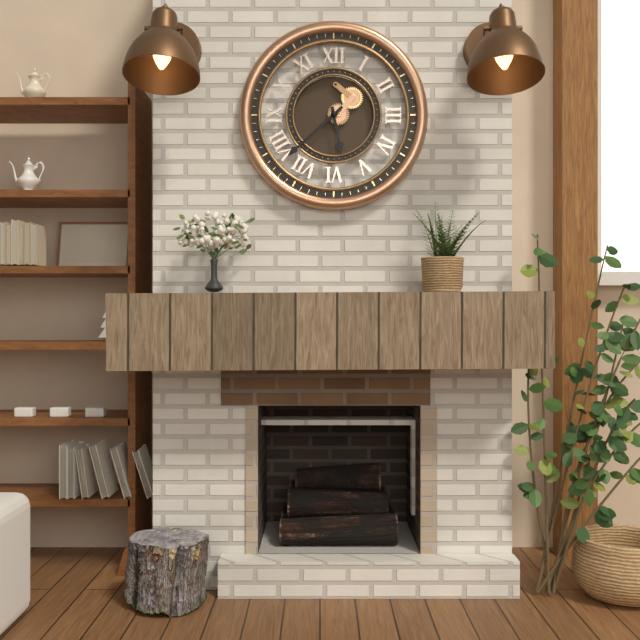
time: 5:38
